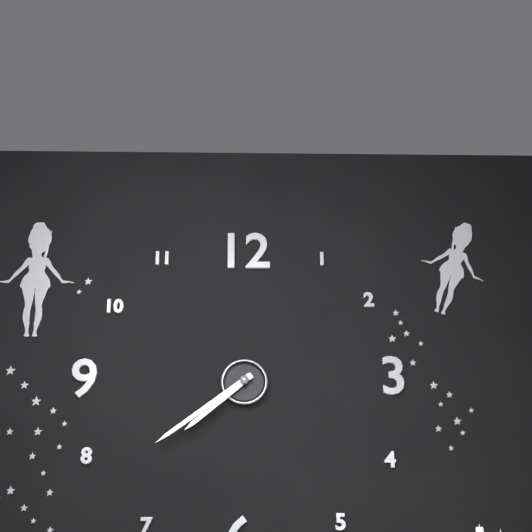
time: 7:39
